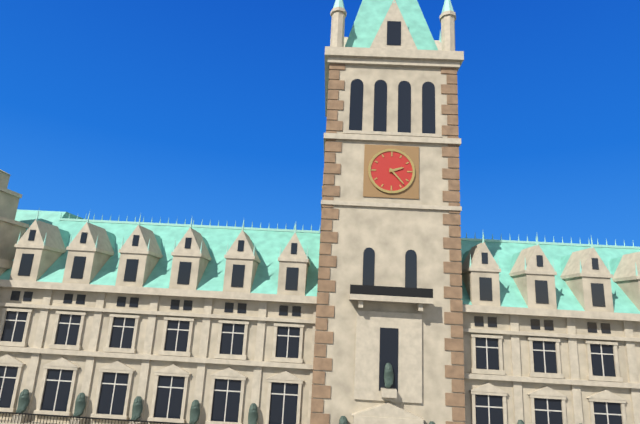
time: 2:23
